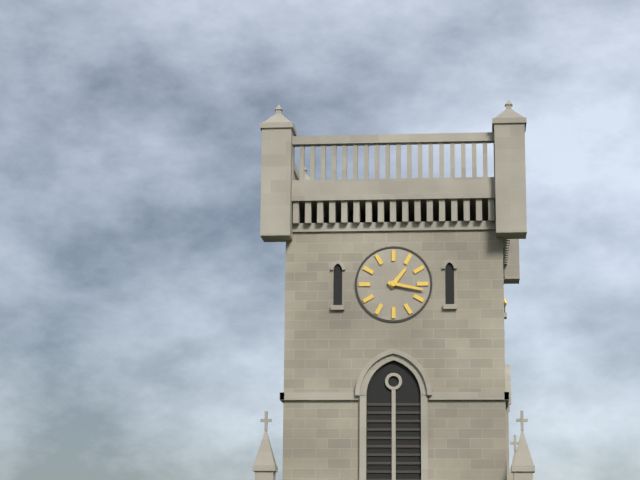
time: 1:17
